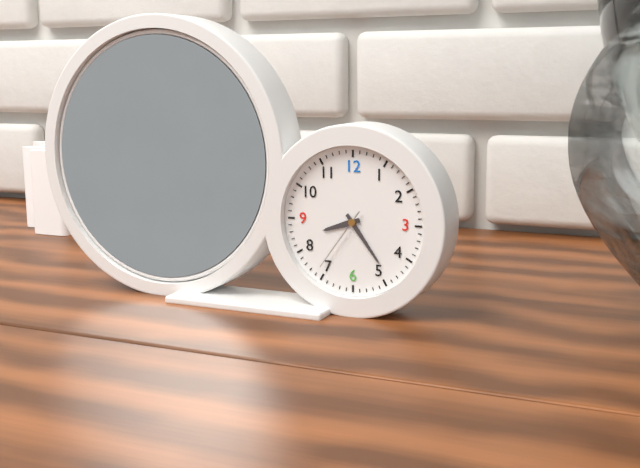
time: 8:24:36
